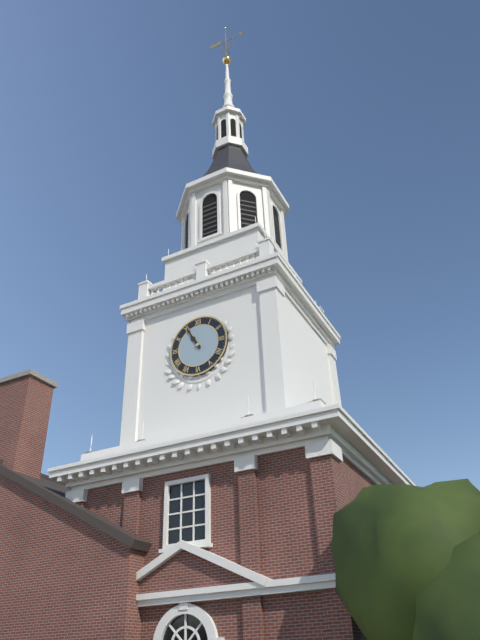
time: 10:55
